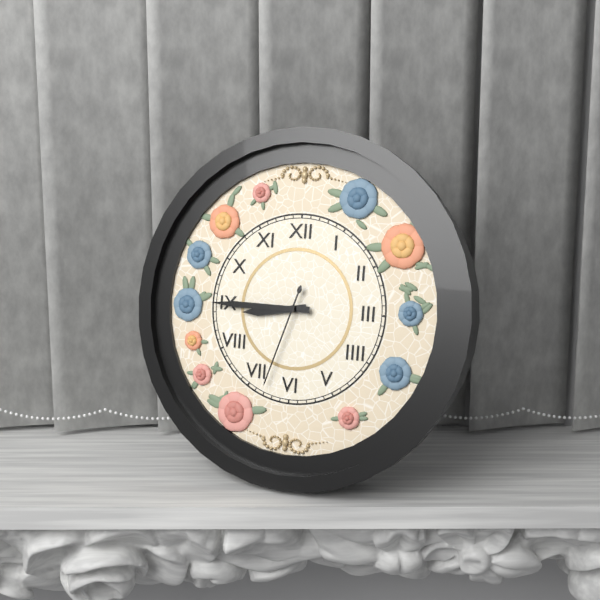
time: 8:45:33
